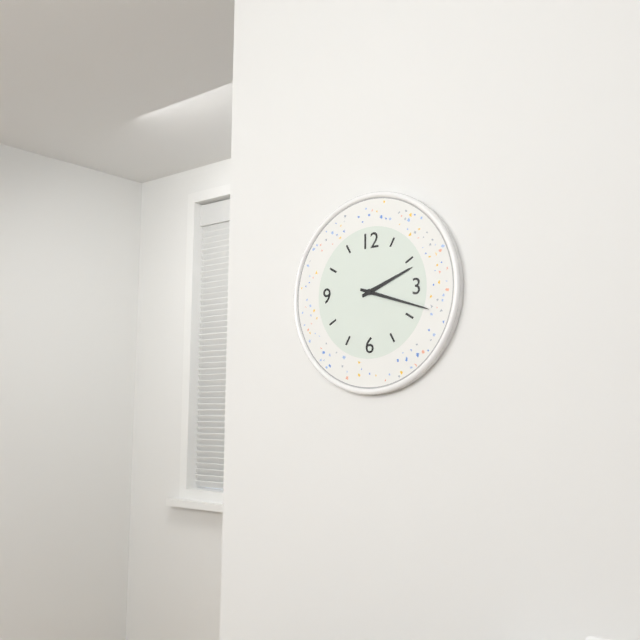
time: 2:18
